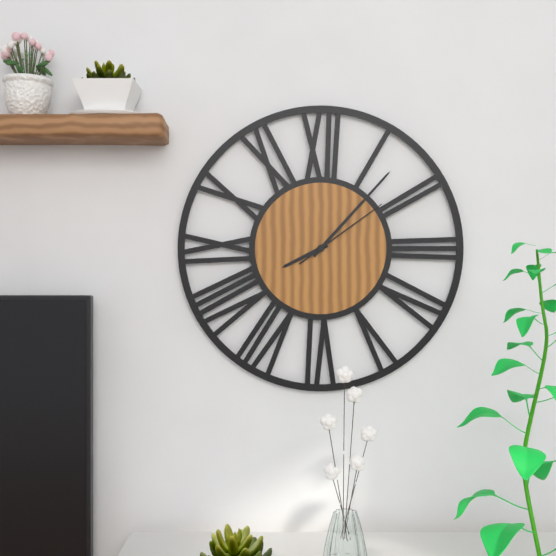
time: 8:07:09
